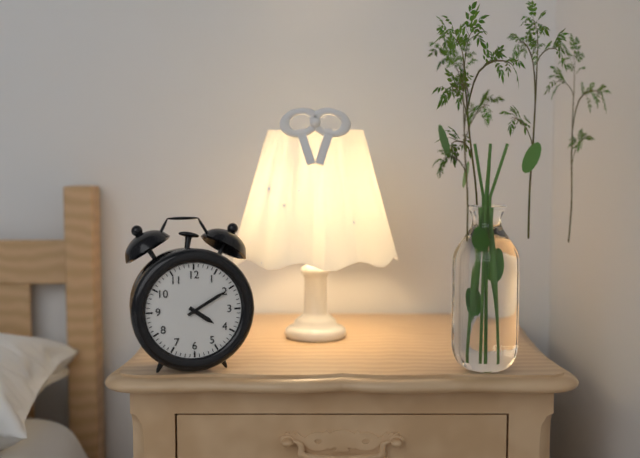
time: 4:10
